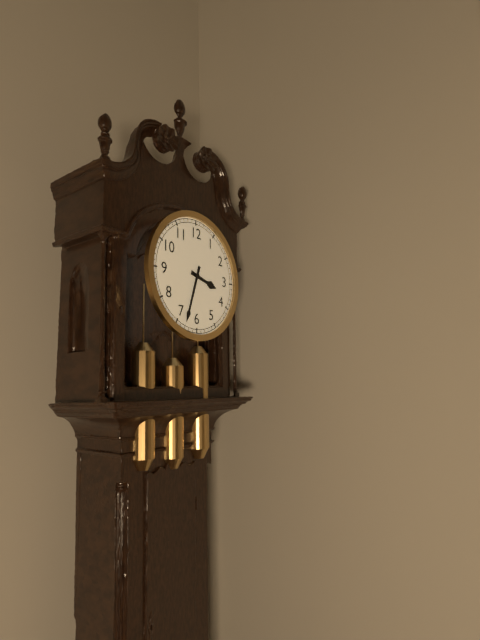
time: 3:33
